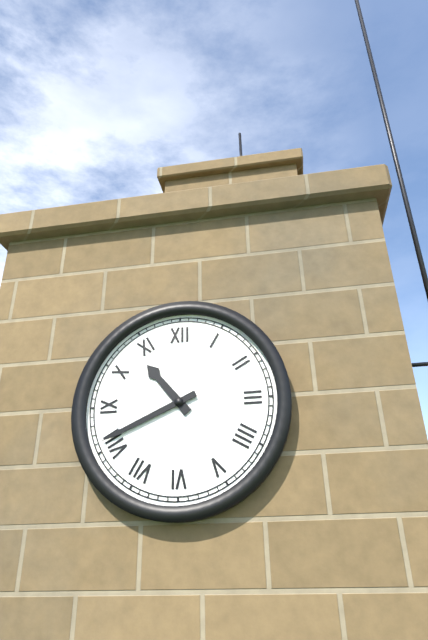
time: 10:41
